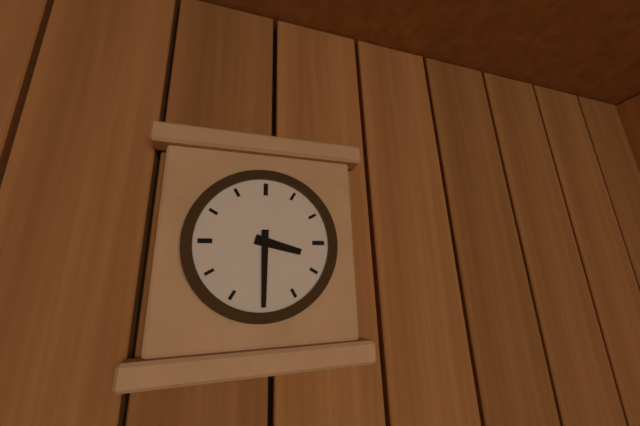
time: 3:30
